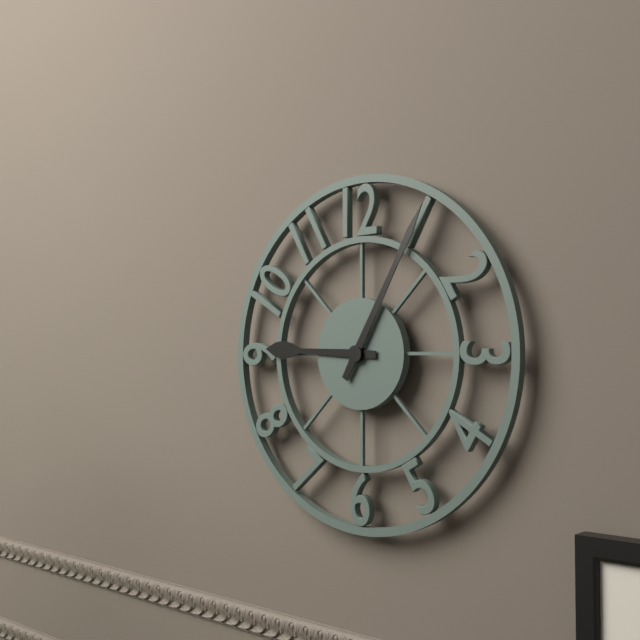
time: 9:05
